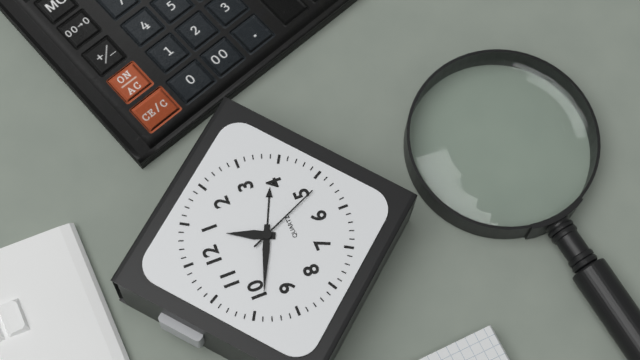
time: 12:49:26
